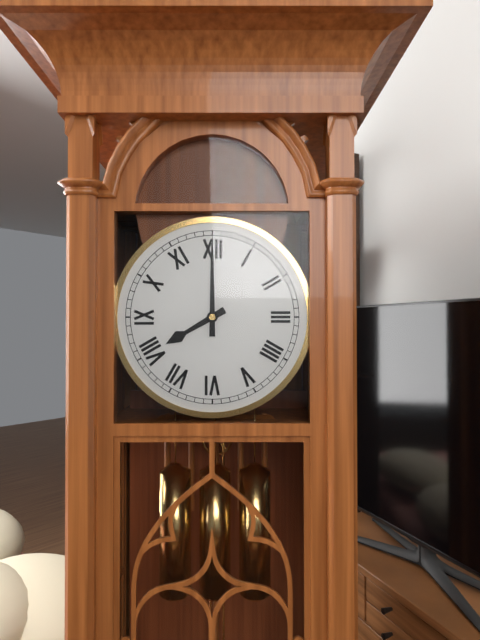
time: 8:00
